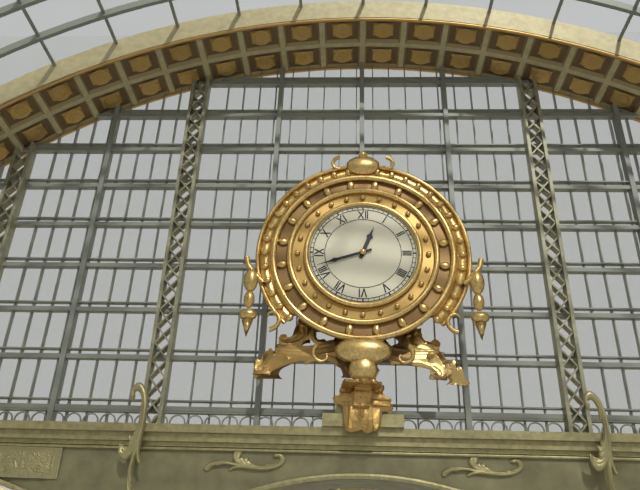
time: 12:42
